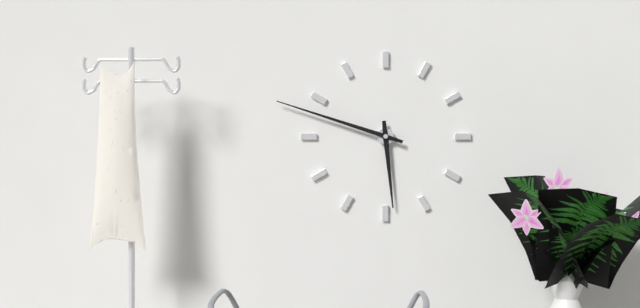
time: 5:48
